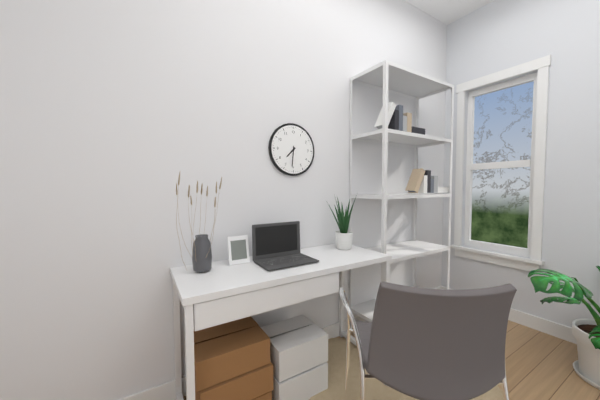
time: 7:31
